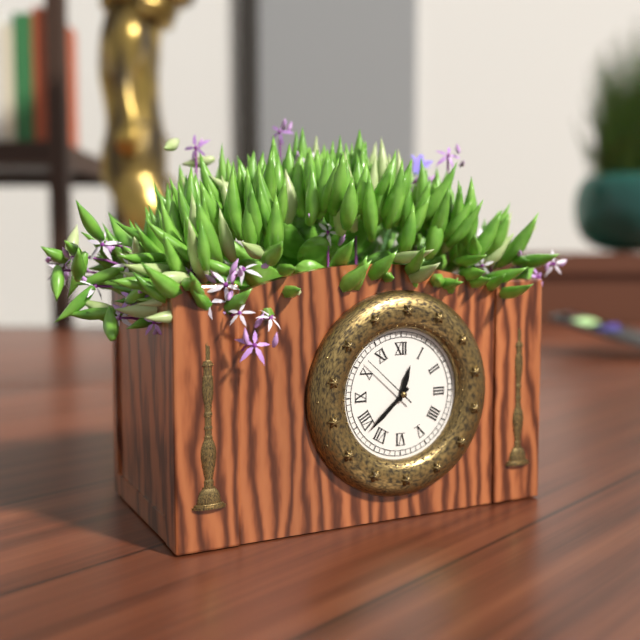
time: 12:38:52
